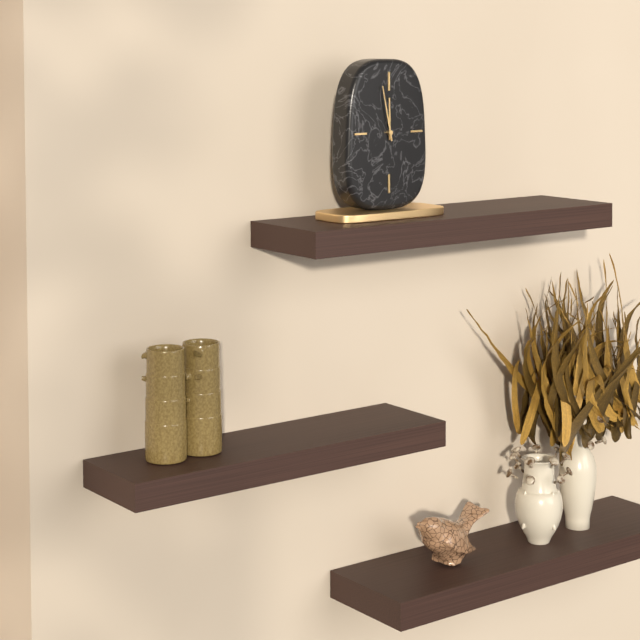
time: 11:58
